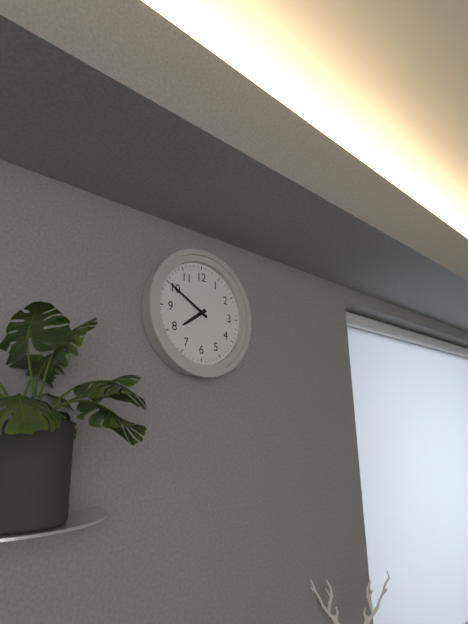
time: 7:50
